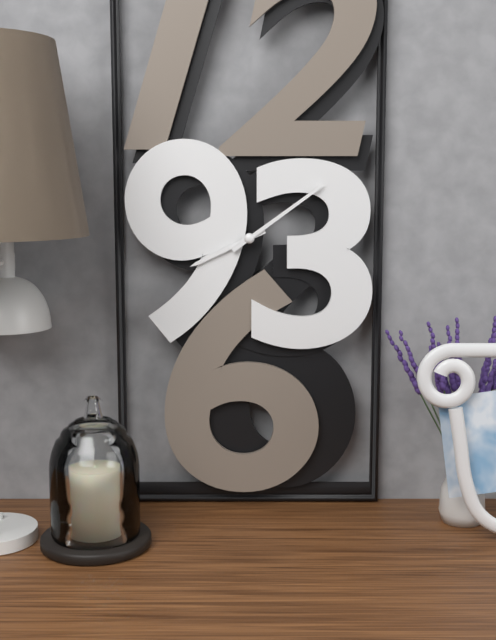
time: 8:09
